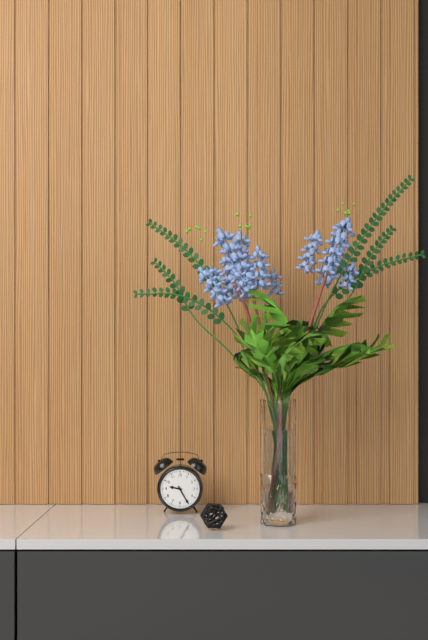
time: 9:25
